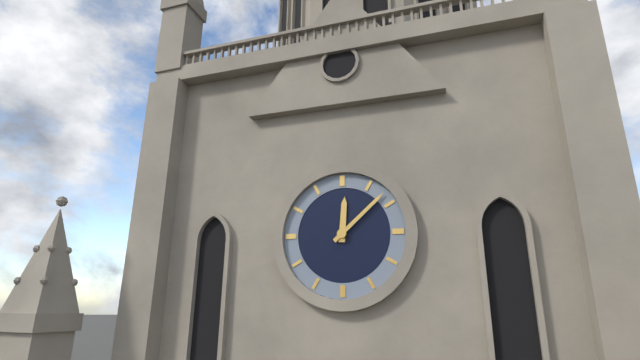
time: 12:08
